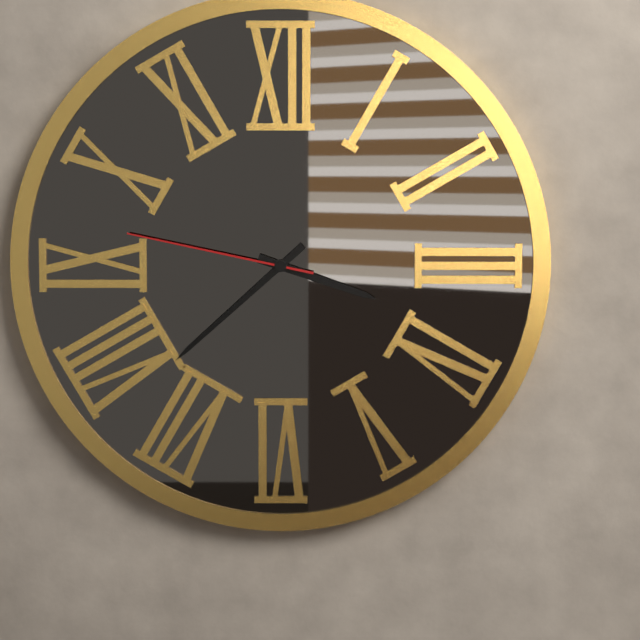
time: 3:38:47
